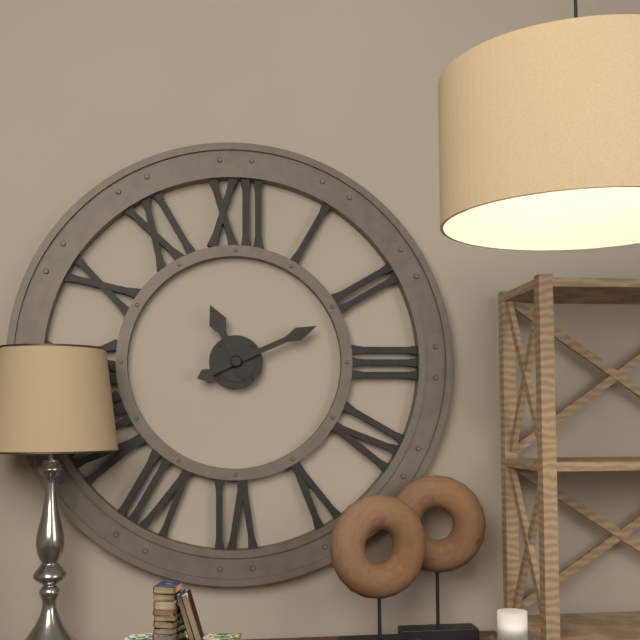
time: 11:11
